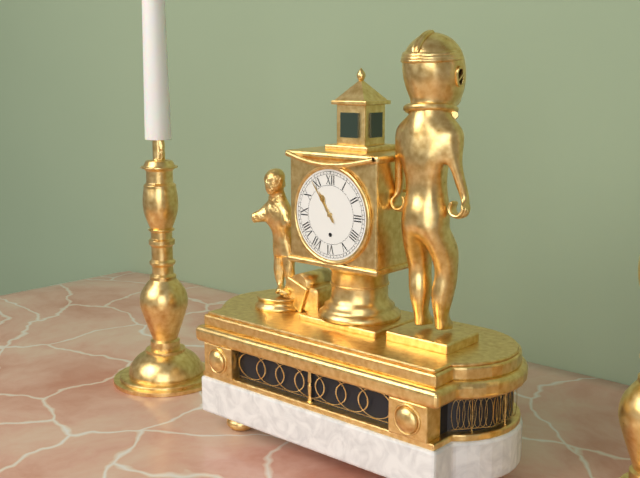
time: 10:54
